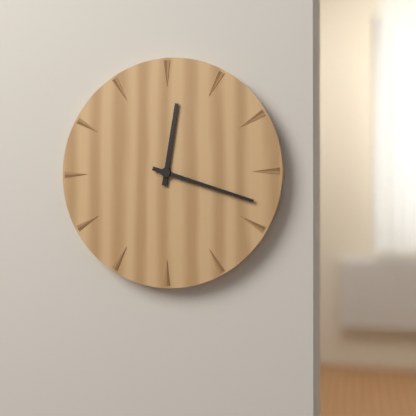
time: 12:18
